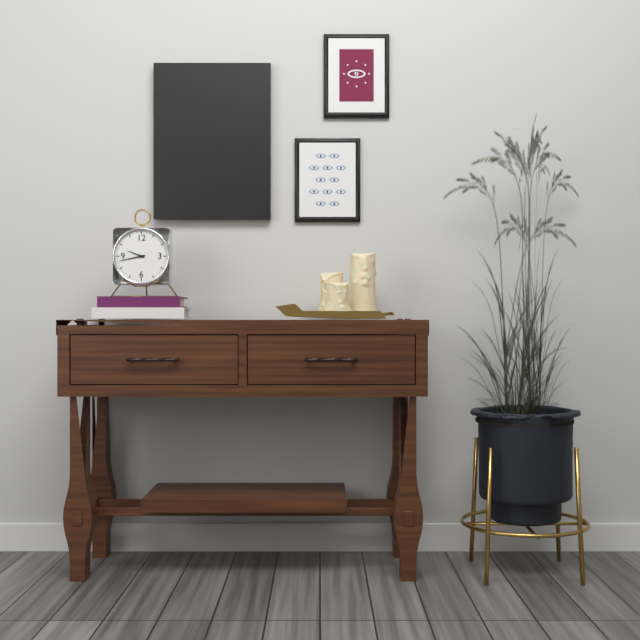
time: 9:43
